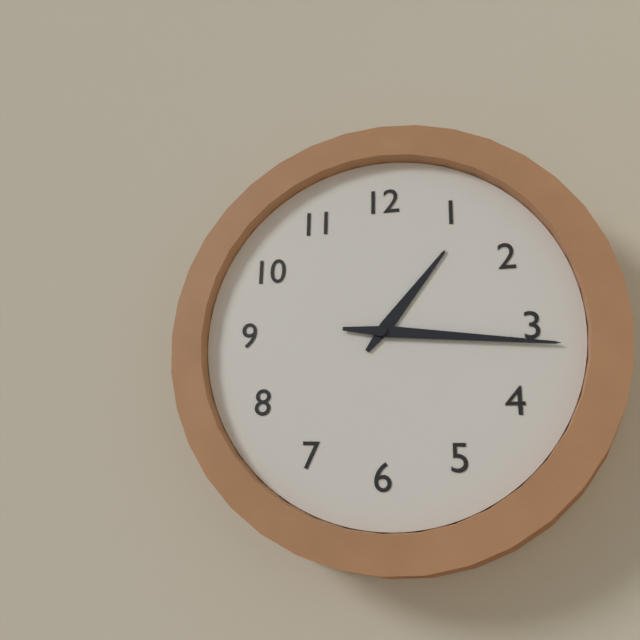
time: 1:16
